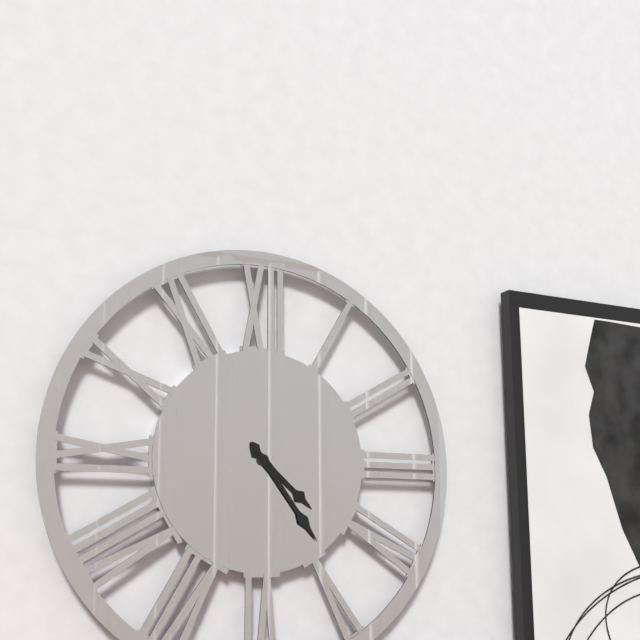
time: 4:24
